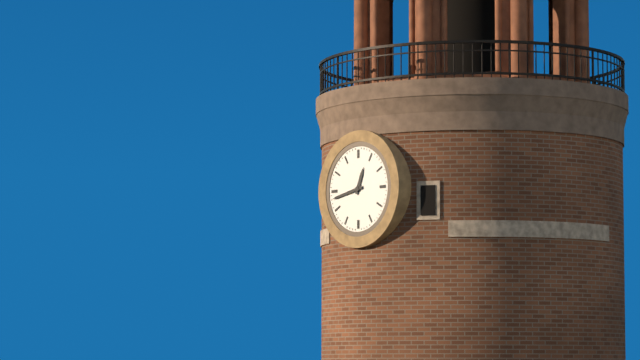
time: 12:43
